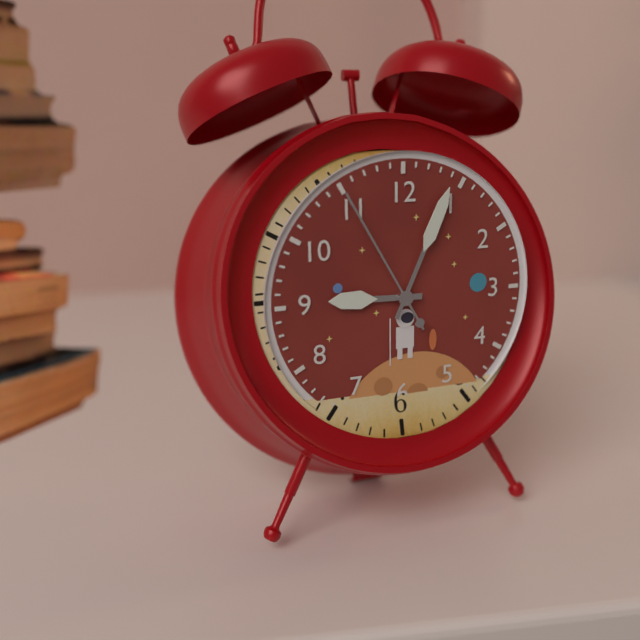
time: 9:04:55
